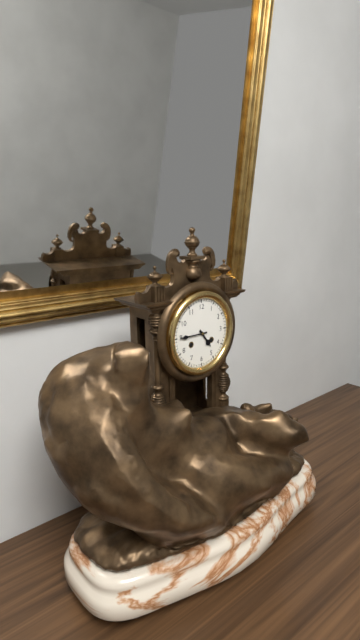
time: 4:45
